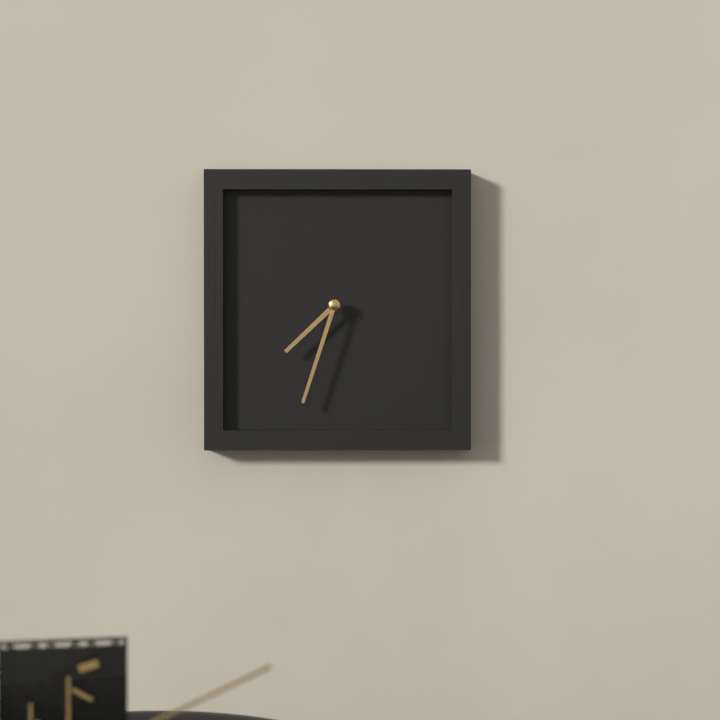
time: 7:33
